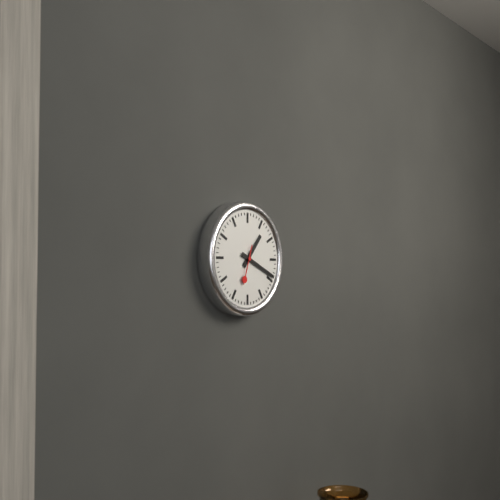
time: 1:19
